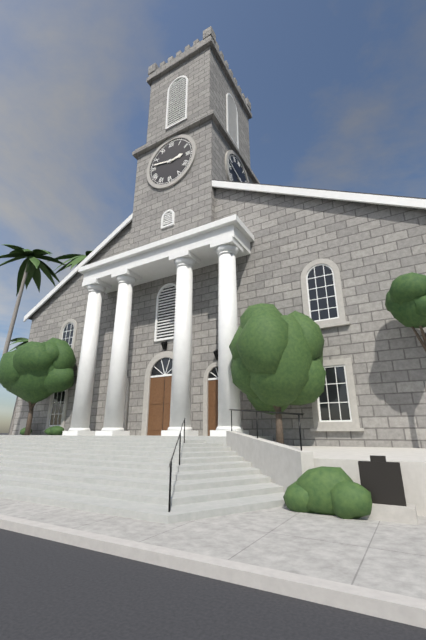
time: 2:47
